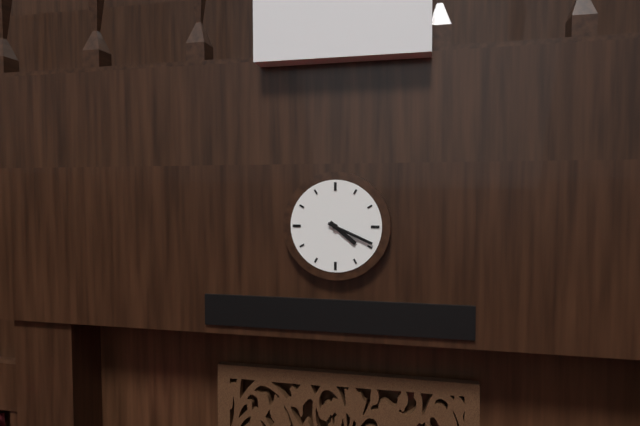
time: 4:19
